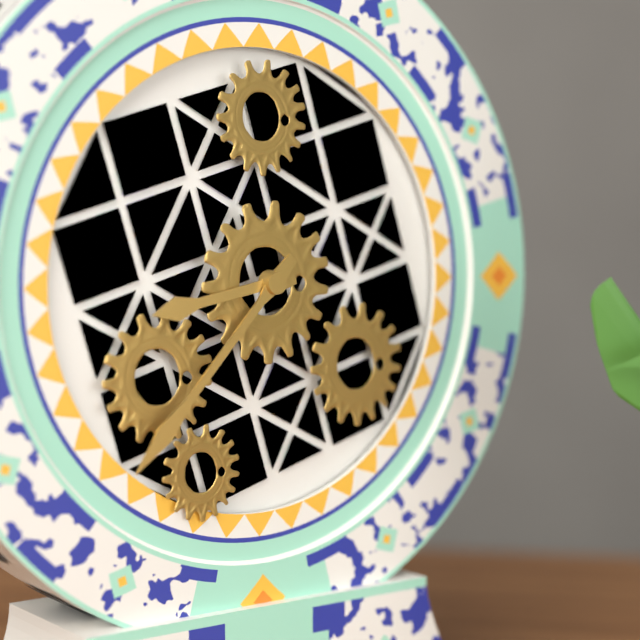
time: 8:37
